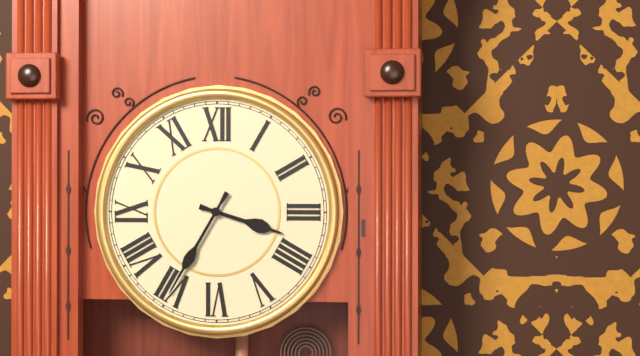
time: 3:35
